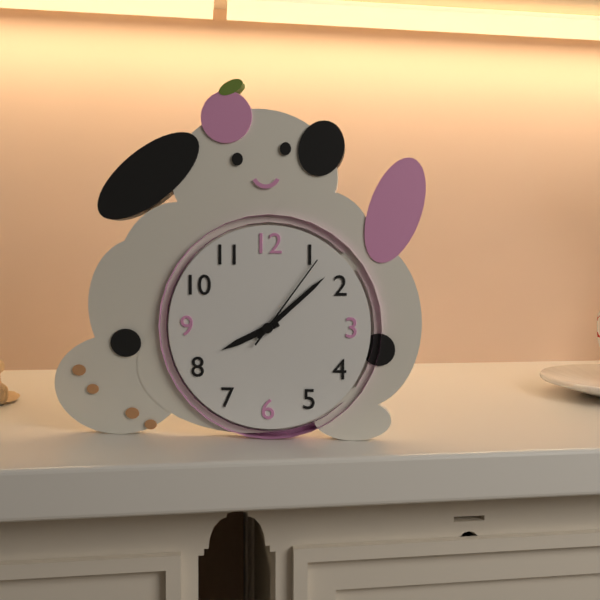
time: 8:08:06
